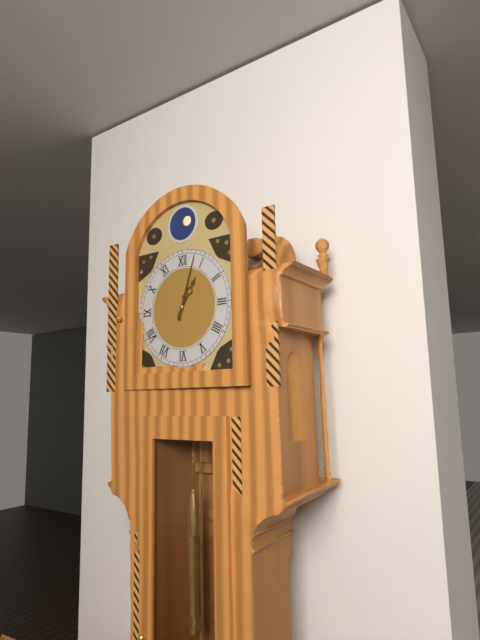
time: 1:03
